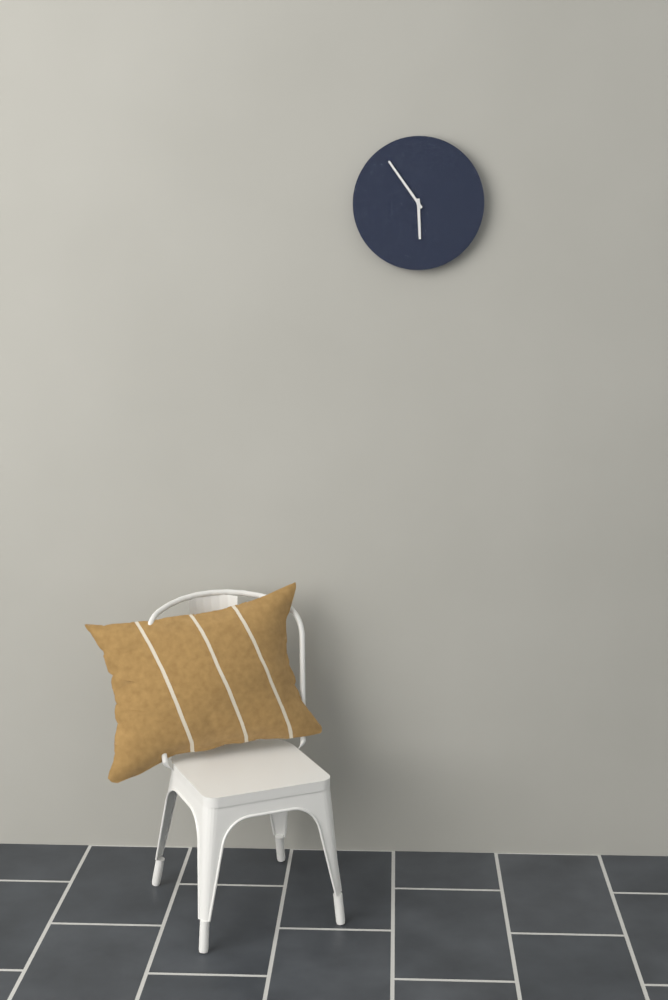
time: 5:54
